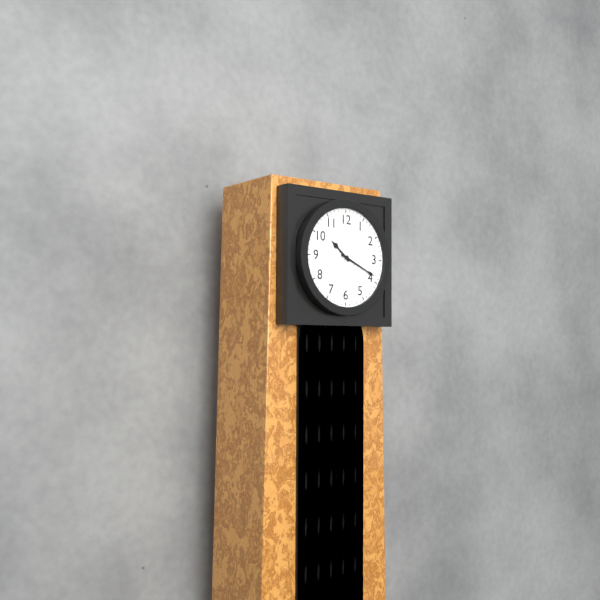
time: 10:19
